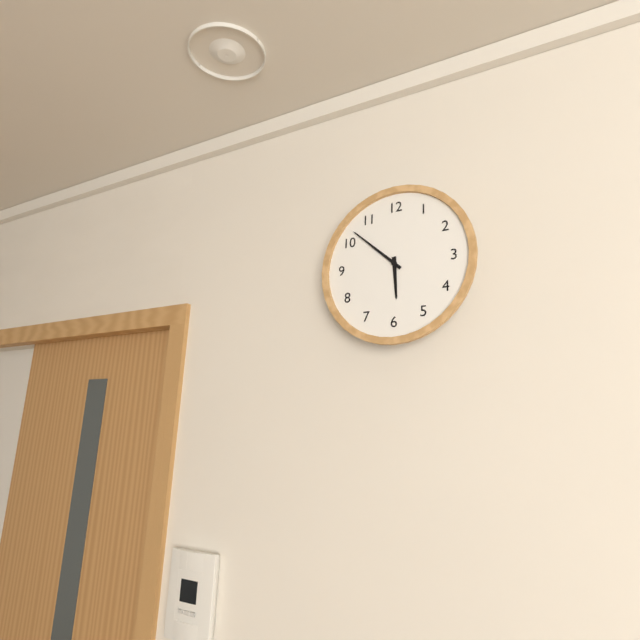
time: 5:52
